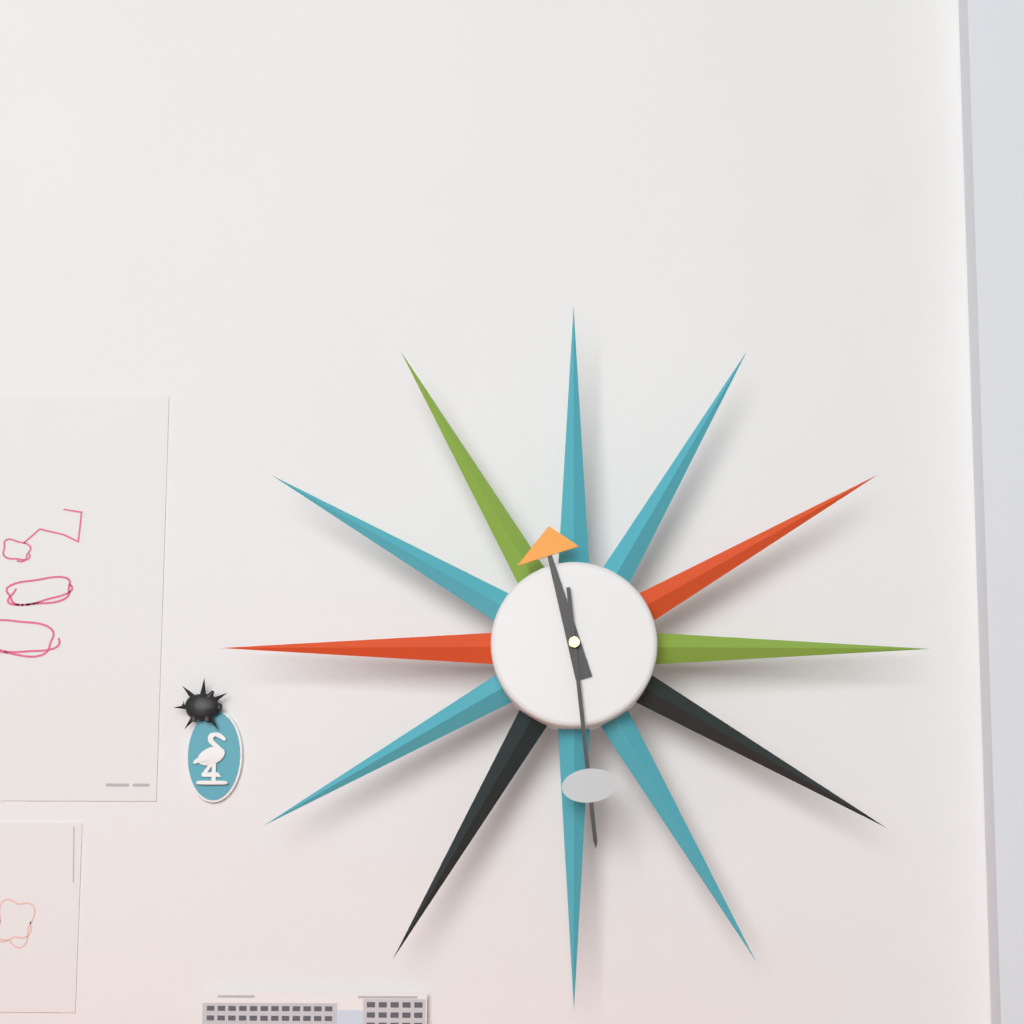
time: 11:29
